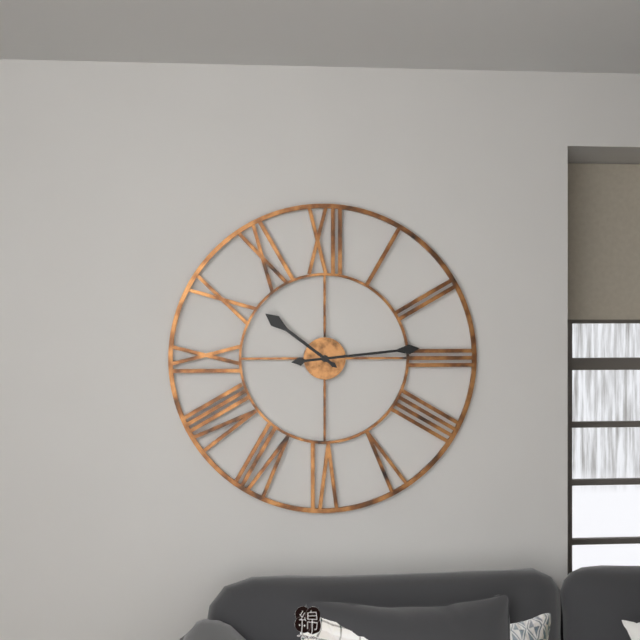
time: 10:14
